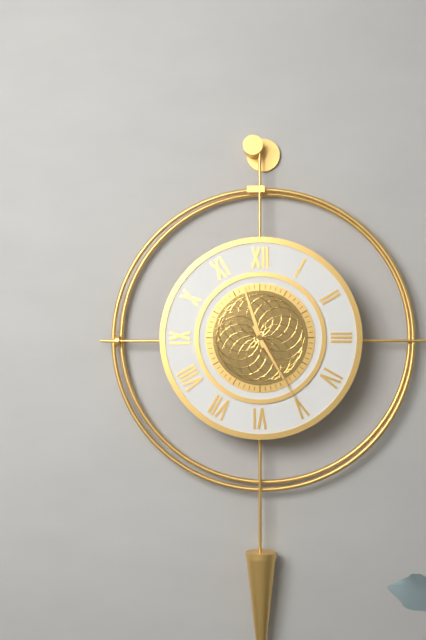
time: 11:25
